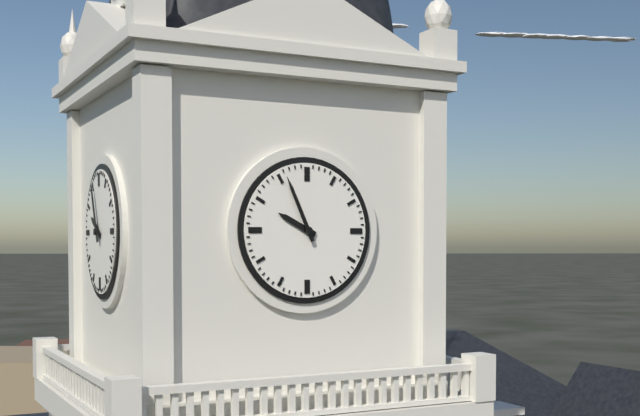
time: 9:56
